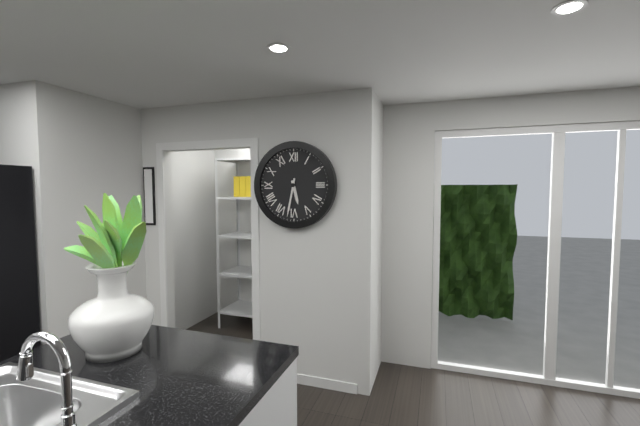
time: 5:32
